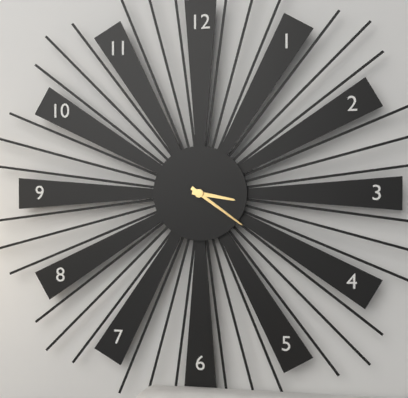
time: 3:21
